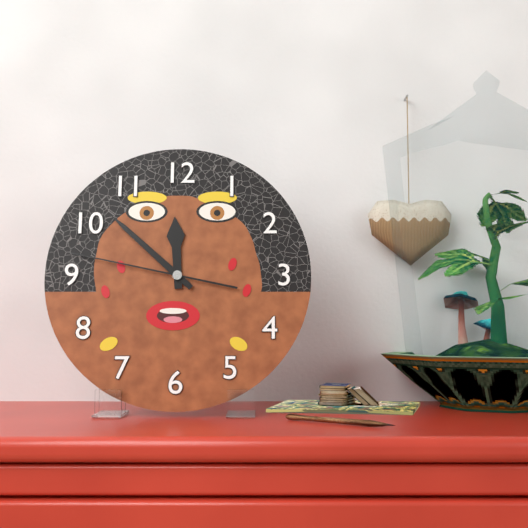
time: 11:52:47
